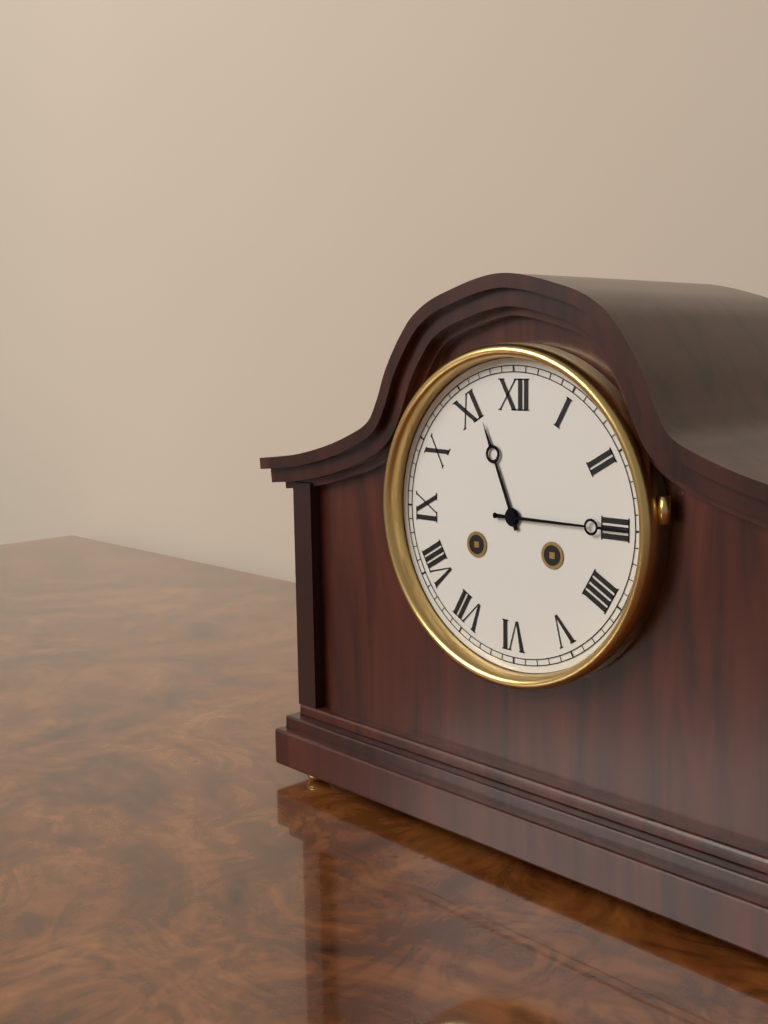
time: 11:15
